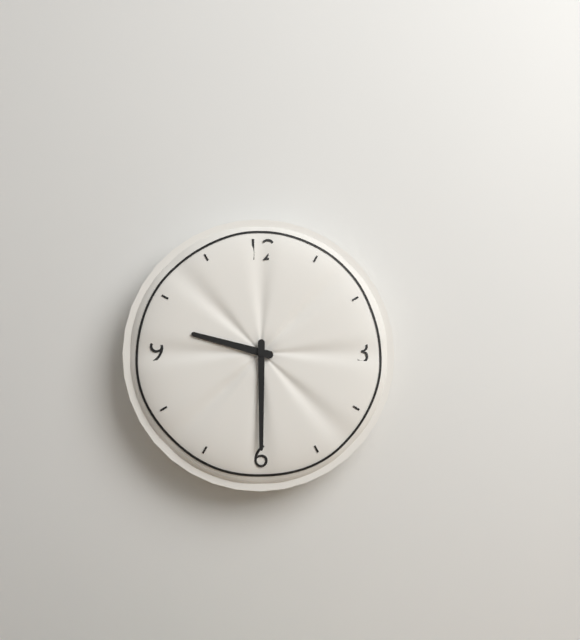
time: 9:30
